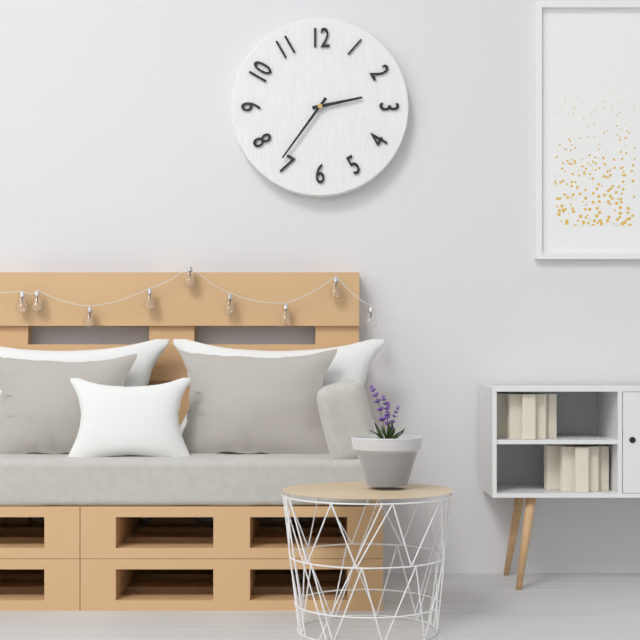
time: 2:36
